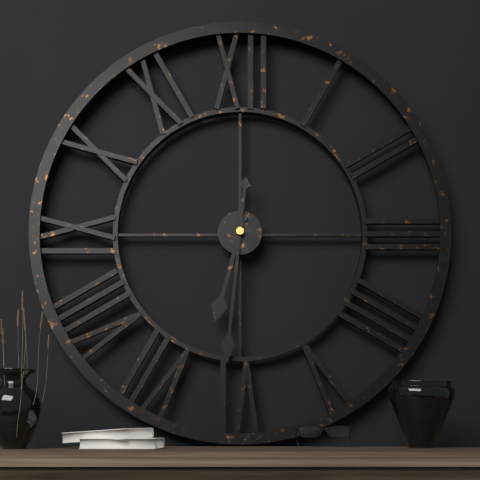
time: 6:31
